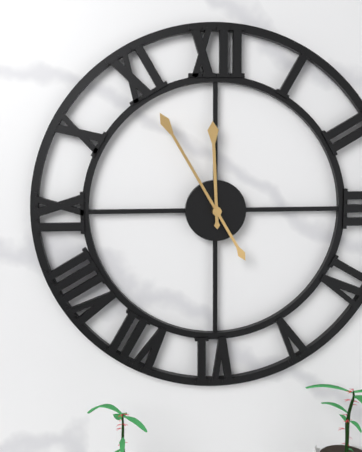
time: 11:55
